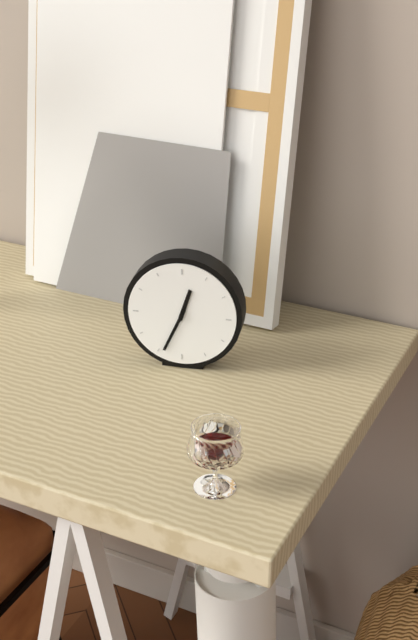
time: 12:34
